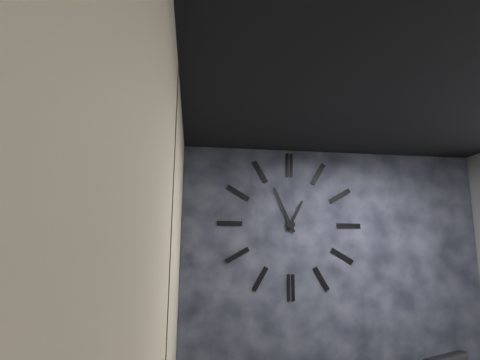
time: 12:56
